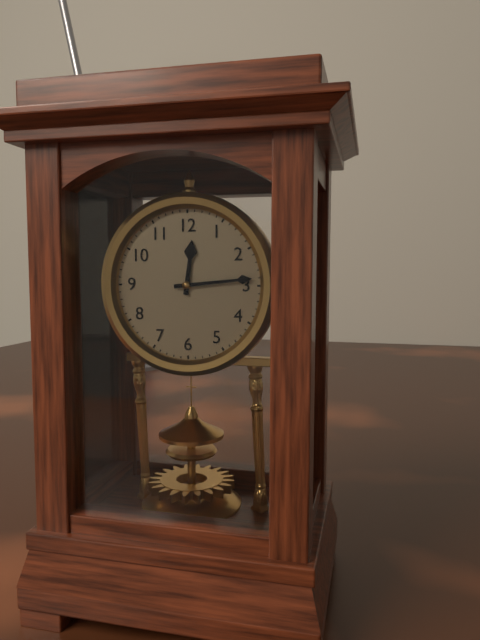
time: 12:14
